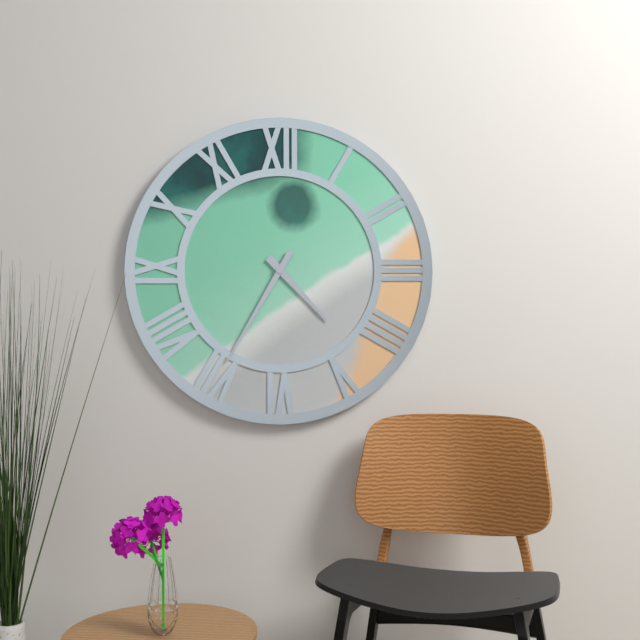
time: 4:35
